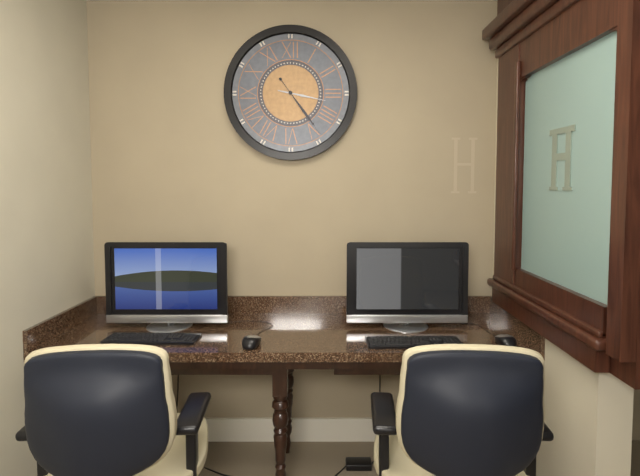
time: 3:24
